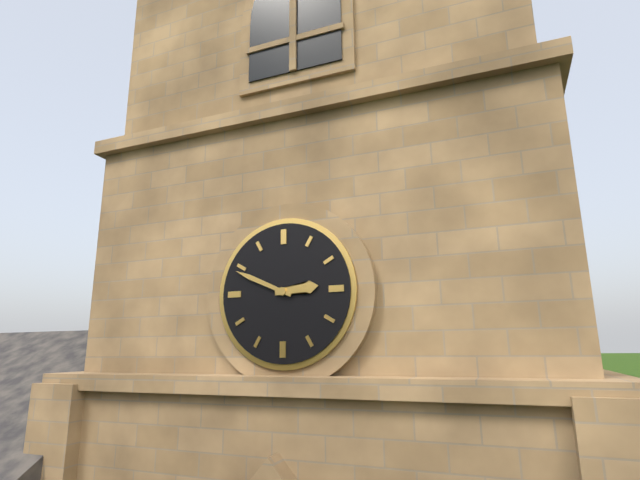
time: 2:49
